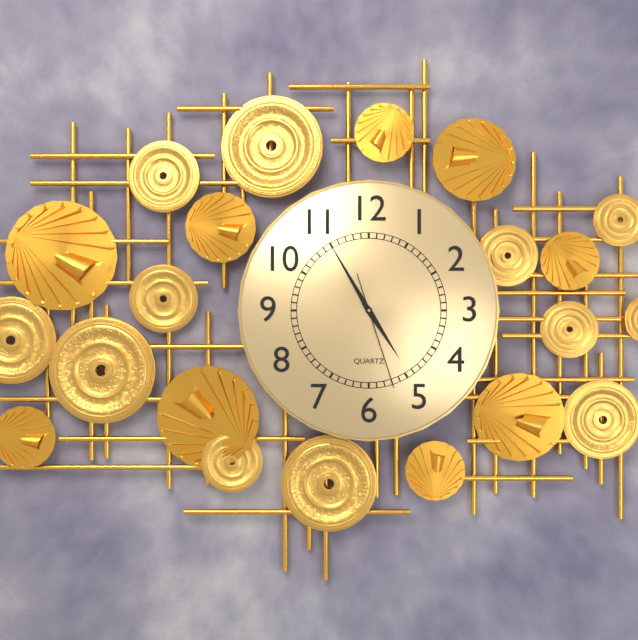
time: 4:55:27
